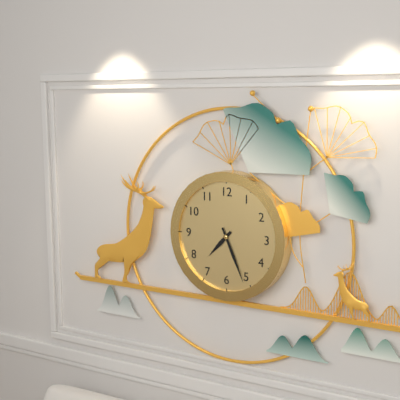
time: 7:26
